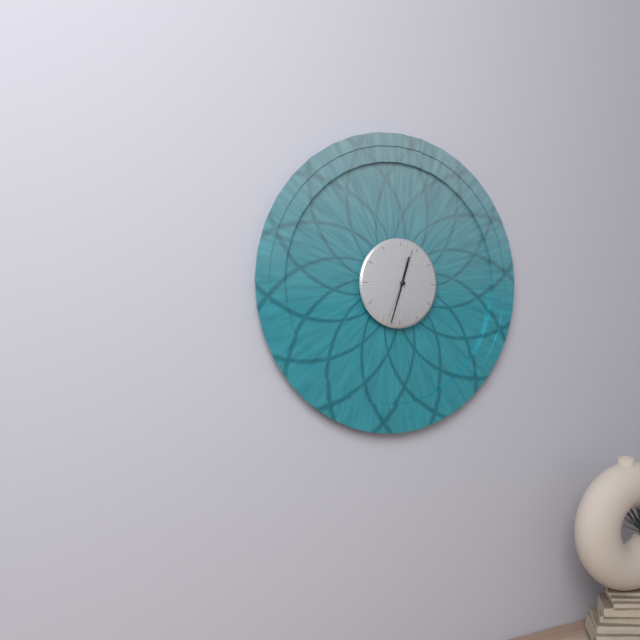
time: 12:33
